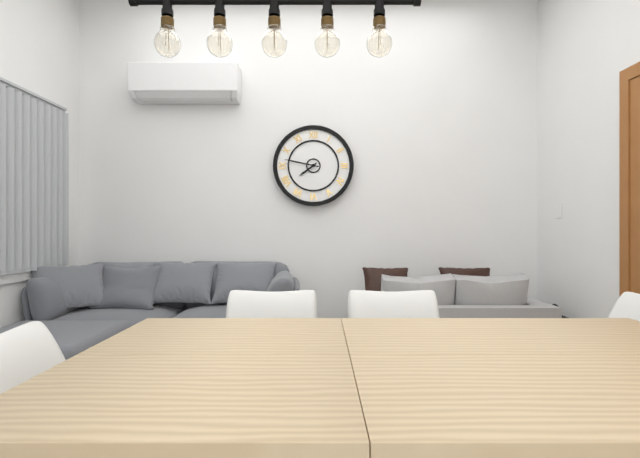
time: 7:47
